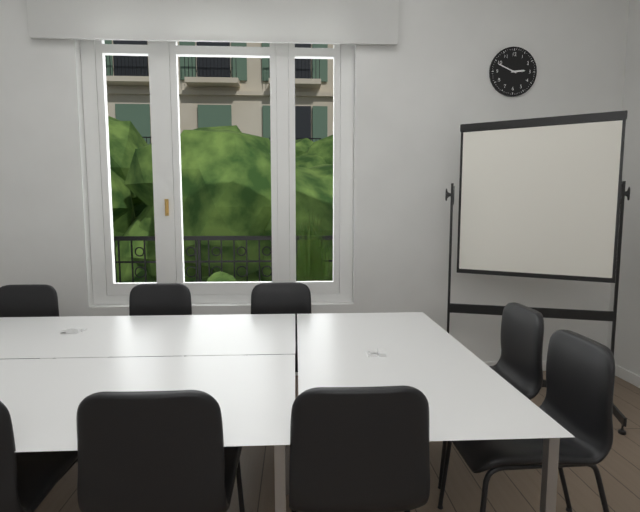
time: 2:49
